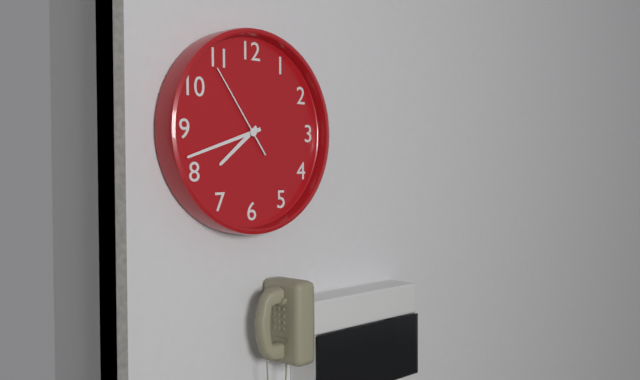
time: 7:42:54
